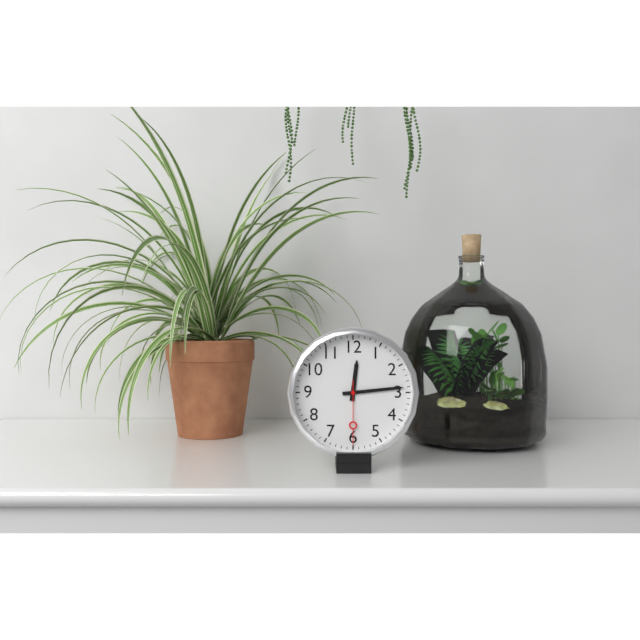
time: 12:14:30
